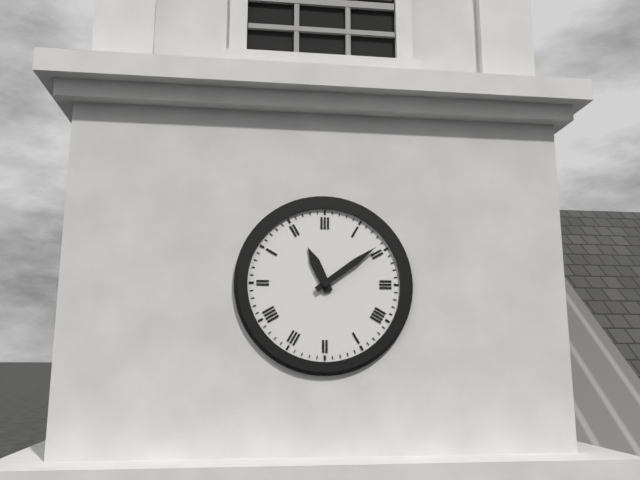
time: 11:09
